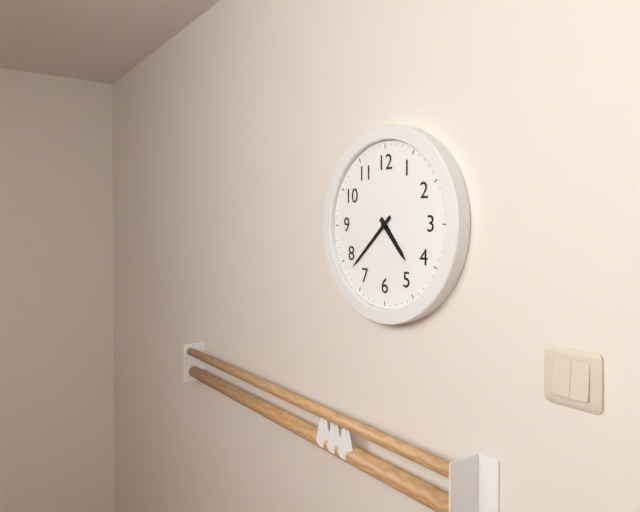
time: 4:38
